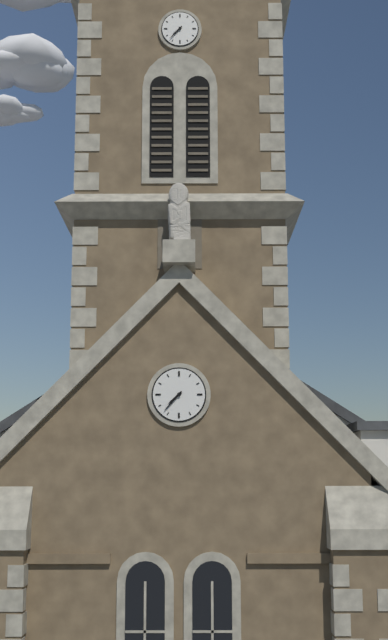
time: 7:37
